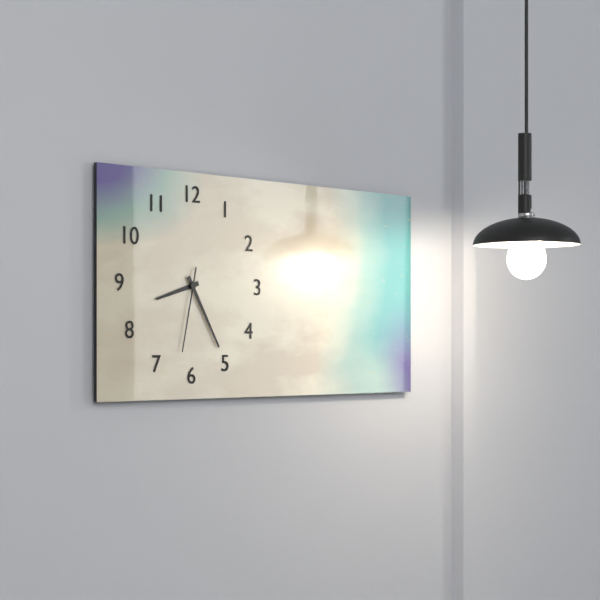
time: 8:25:32
